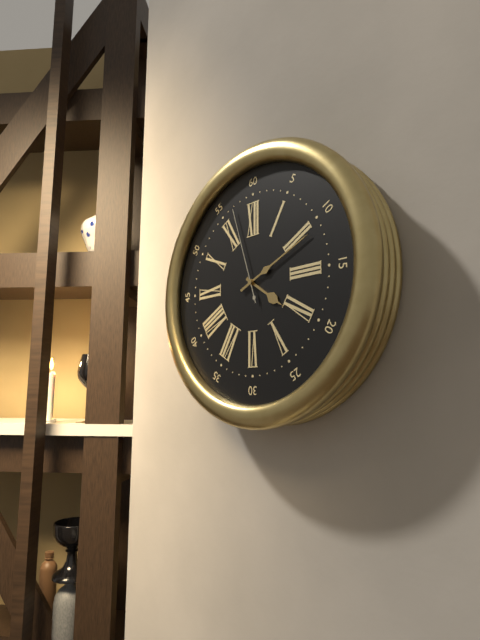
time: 4:11:57
